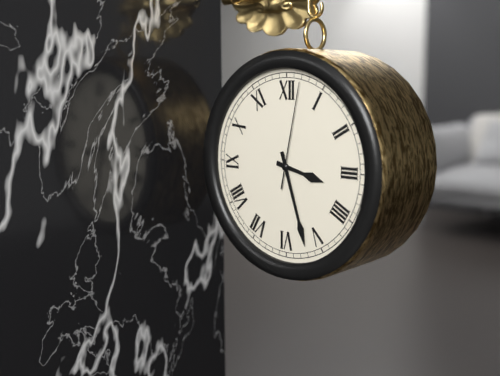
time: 3:27:02
